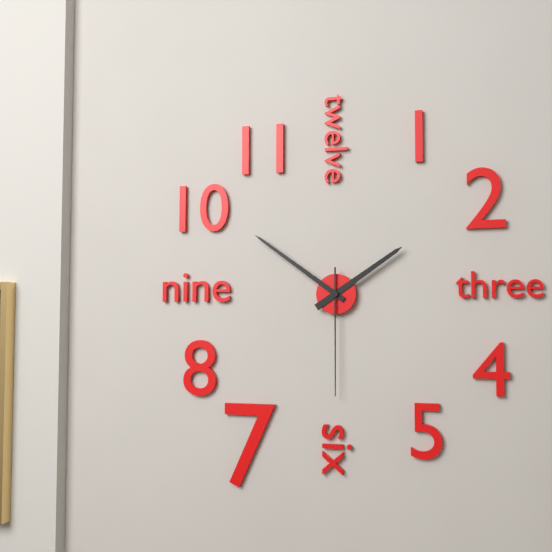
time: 1:51:30
